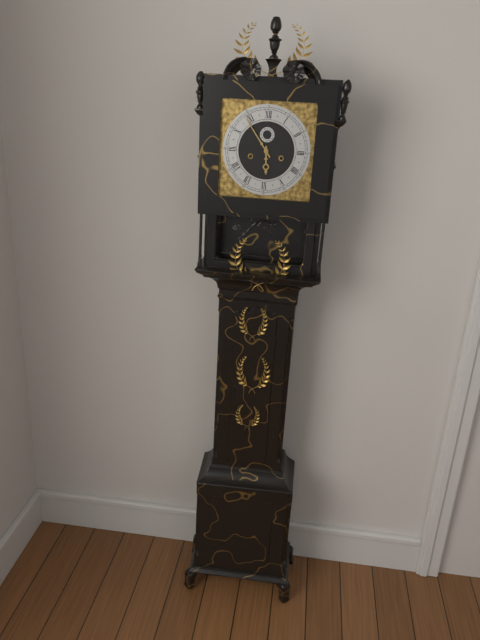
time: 5:54
